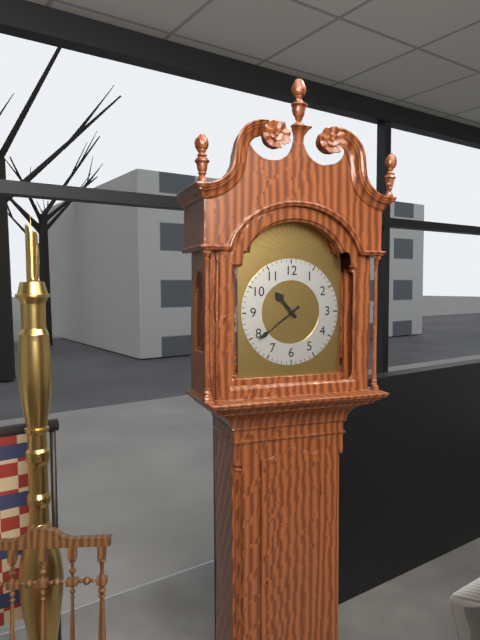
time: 10:39
